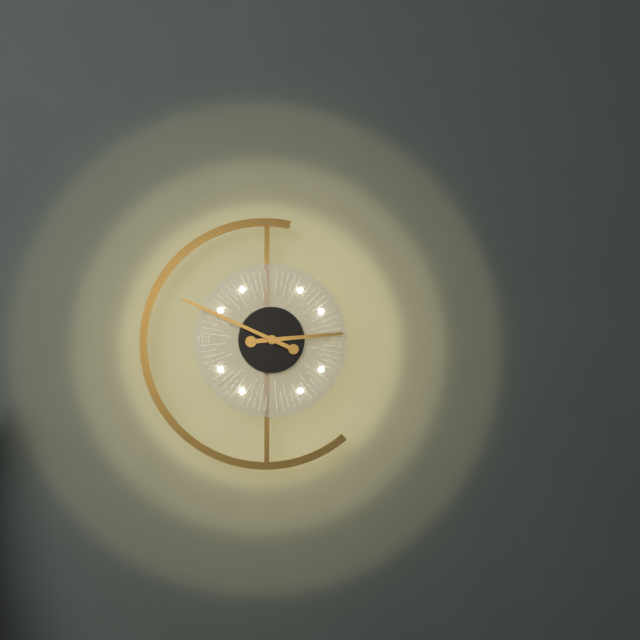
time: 2:49
